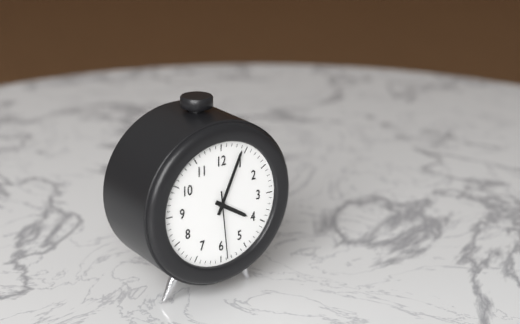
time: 4:04:29
